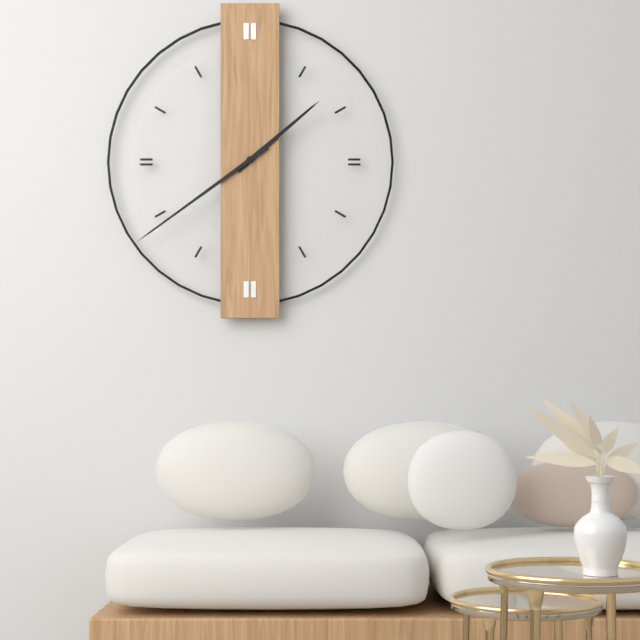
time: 1:39
